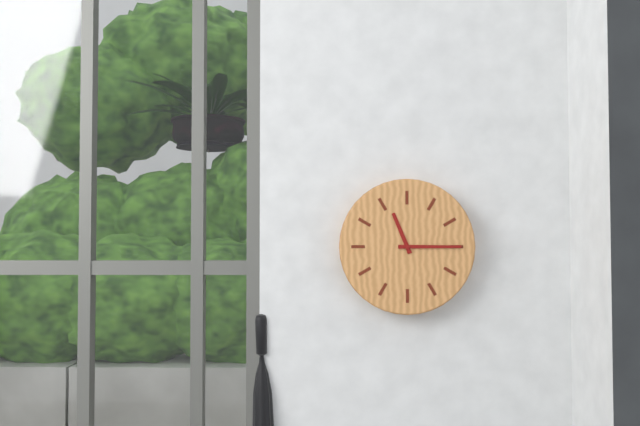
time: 11:15
